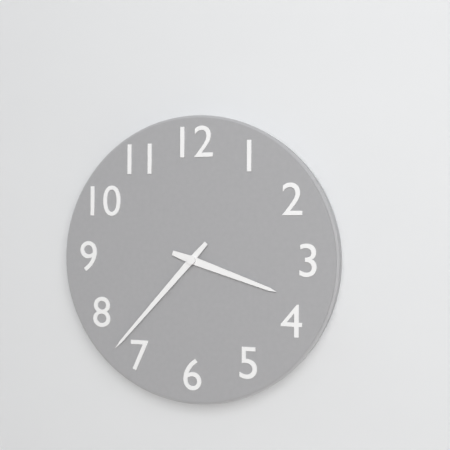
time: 3:37
